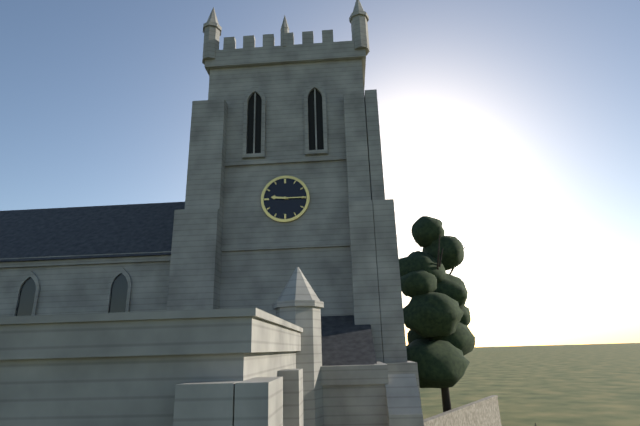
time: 9:15
